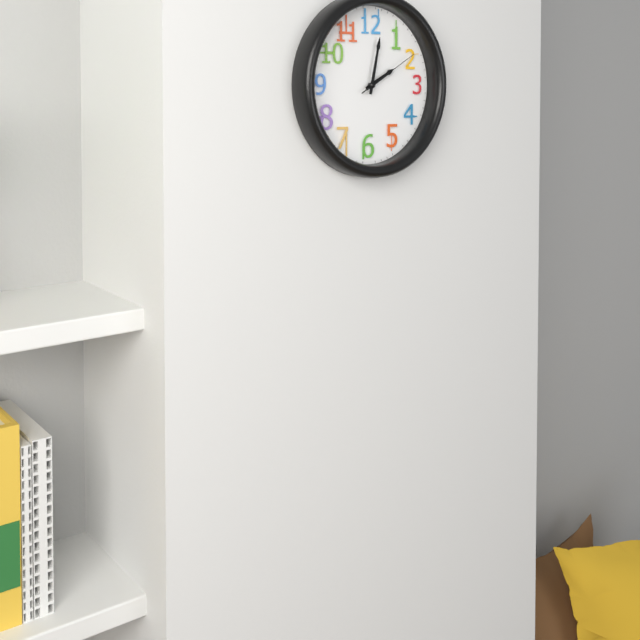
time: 2:02:10
